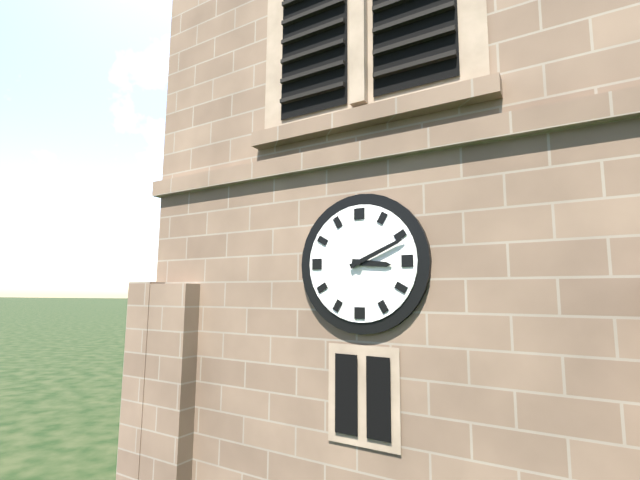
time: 3:11
